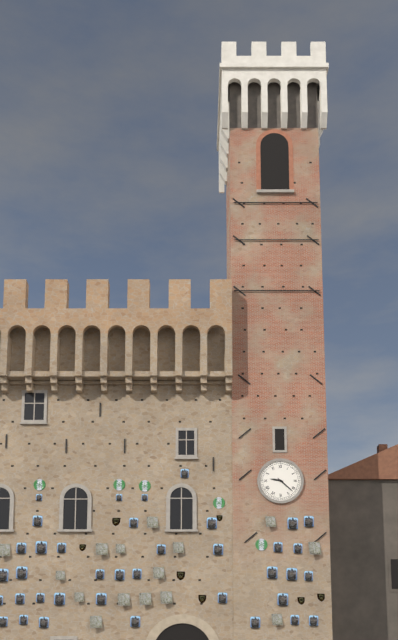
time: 9:22
